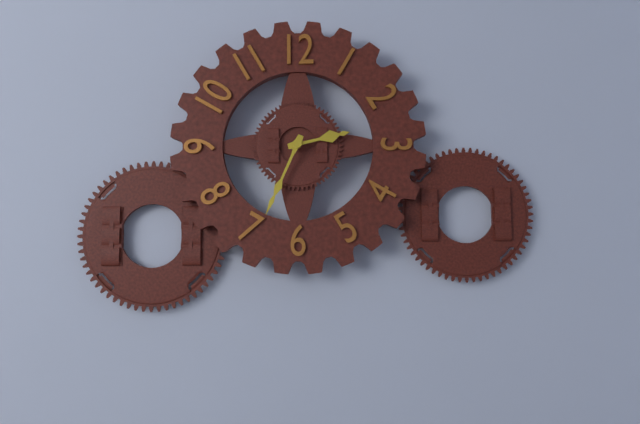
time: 2:34
